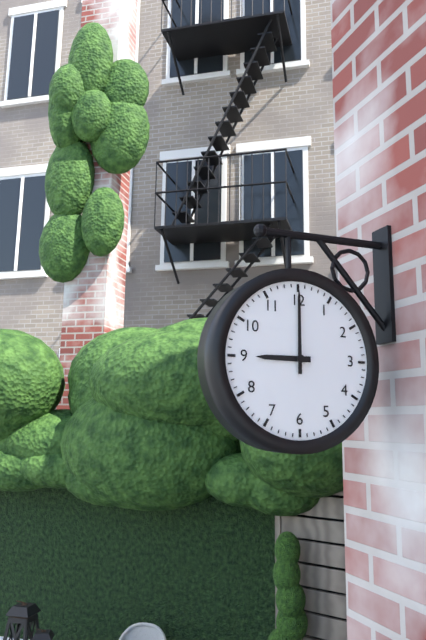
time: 9:00
